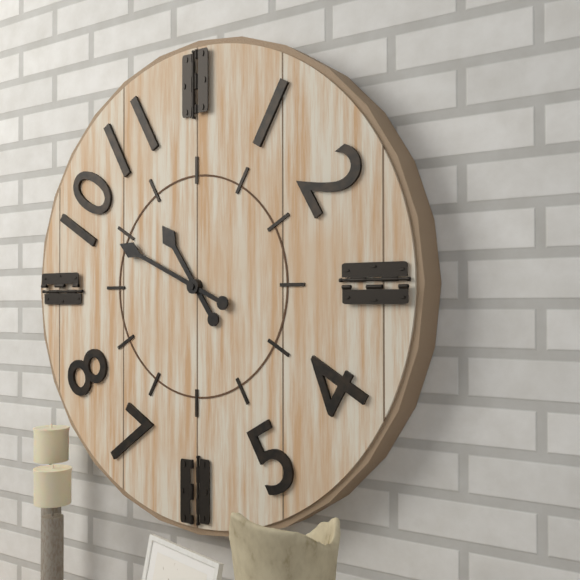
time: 10:49
